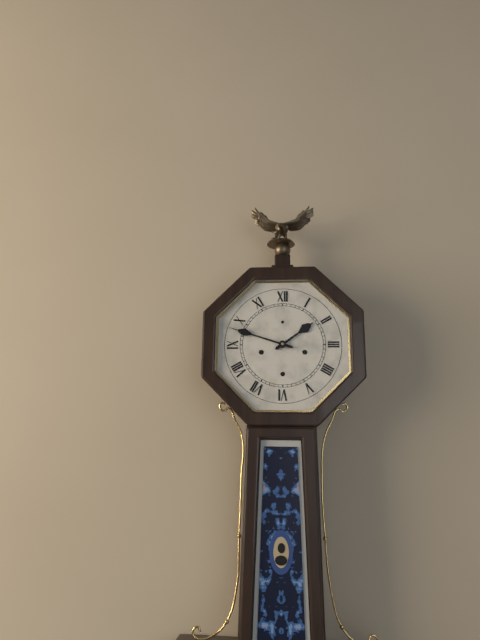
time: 1:48
